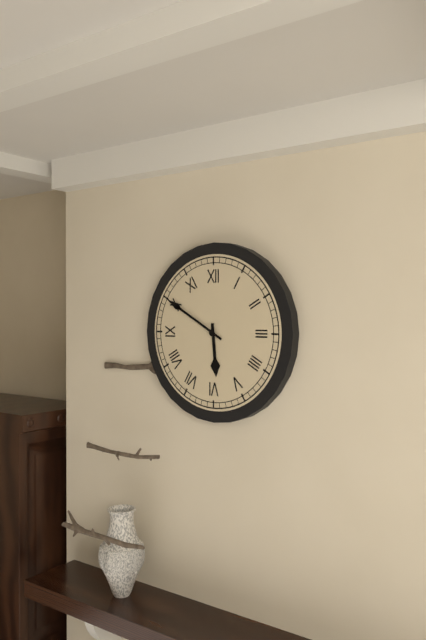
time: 5:50
